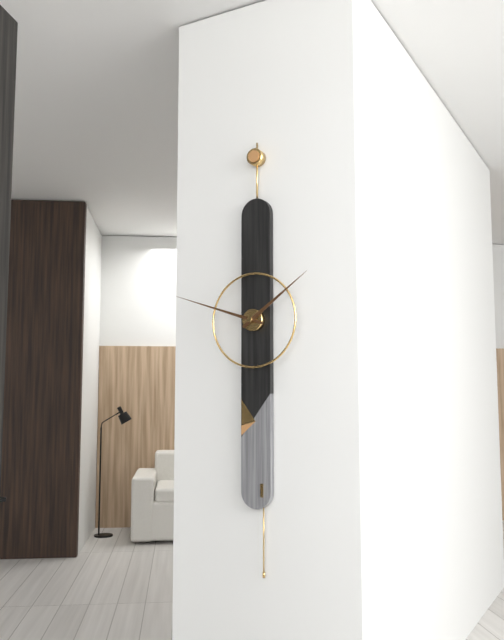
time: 1:48
